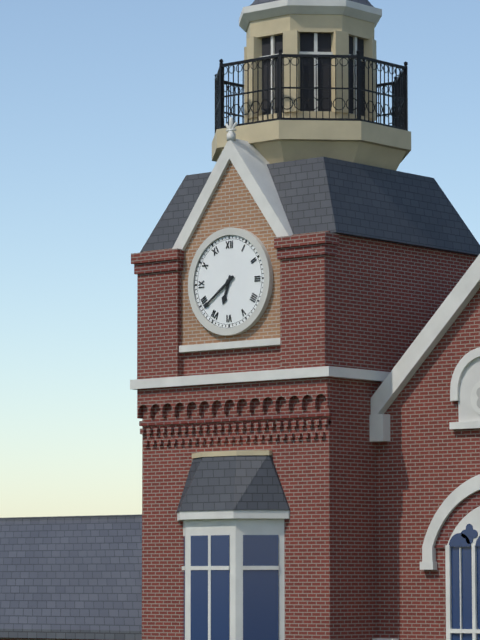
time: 6:39
